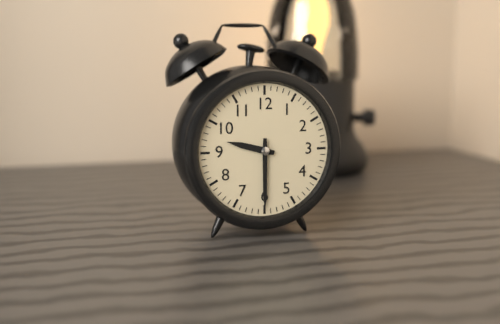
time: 9:30
